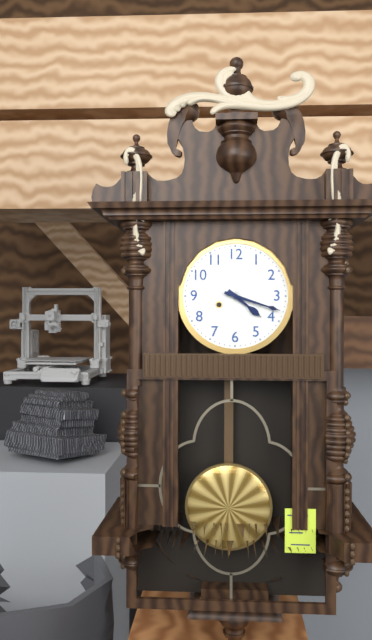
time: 4:18
